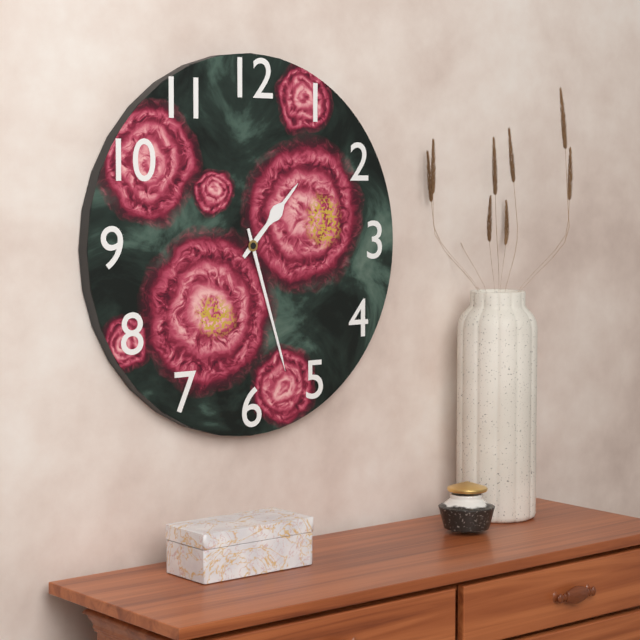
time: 1:27
